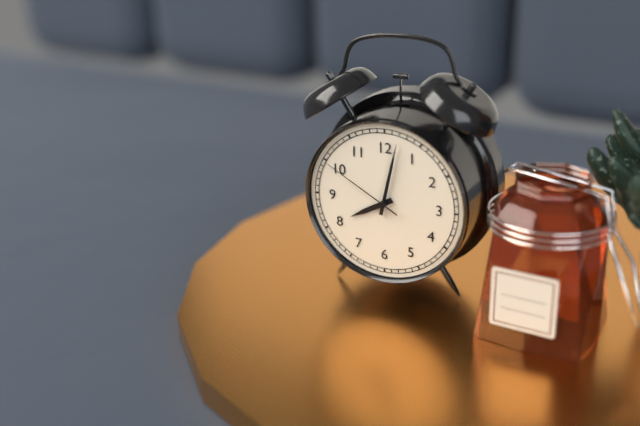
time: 8:02:50
